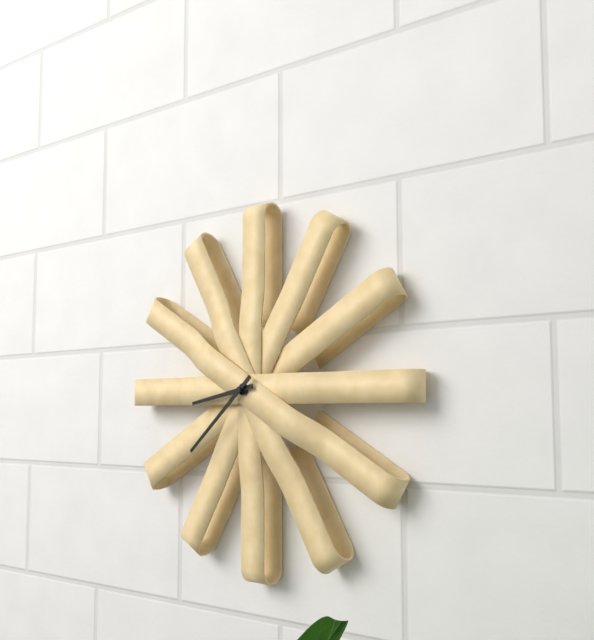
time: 8:38
